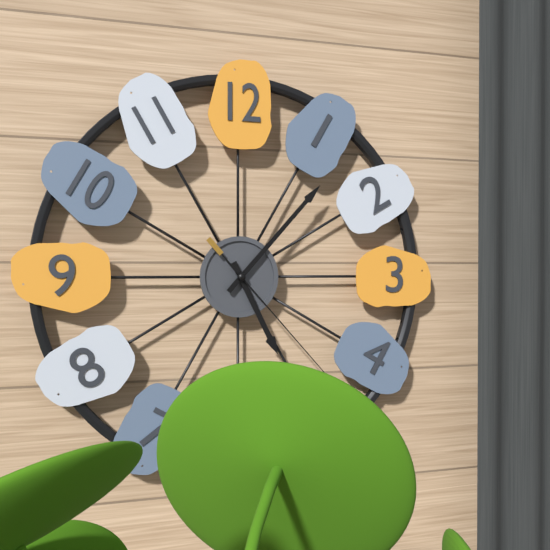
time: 5:07:23
